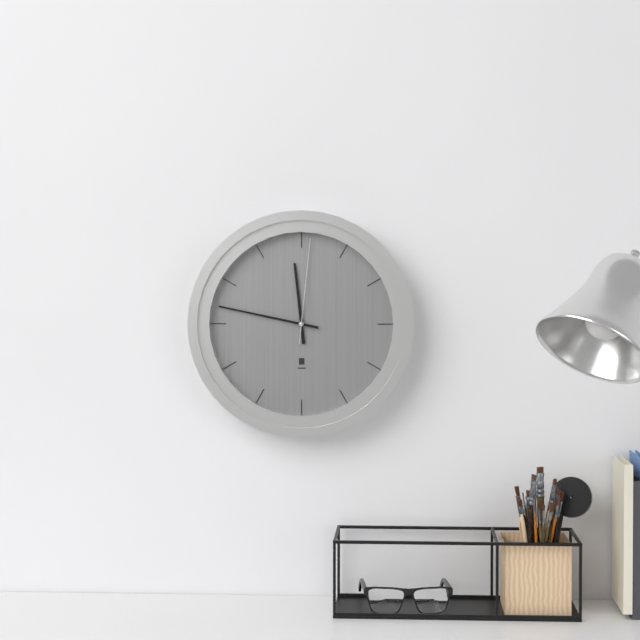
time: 11:47:01
